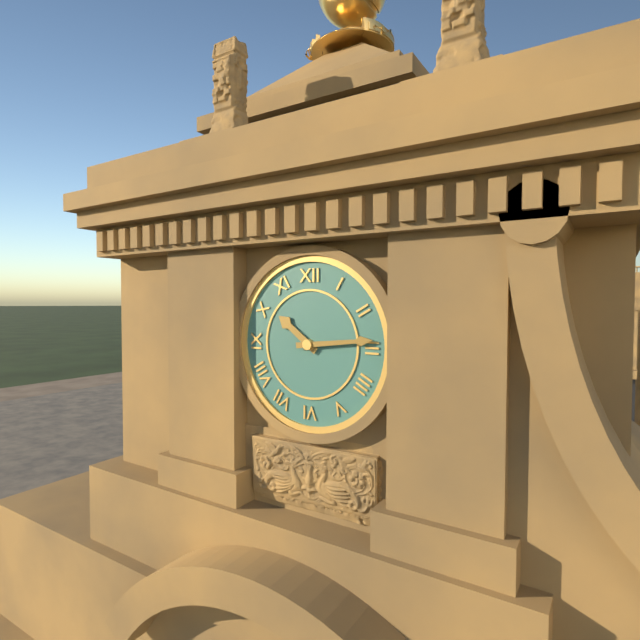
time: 10:14
